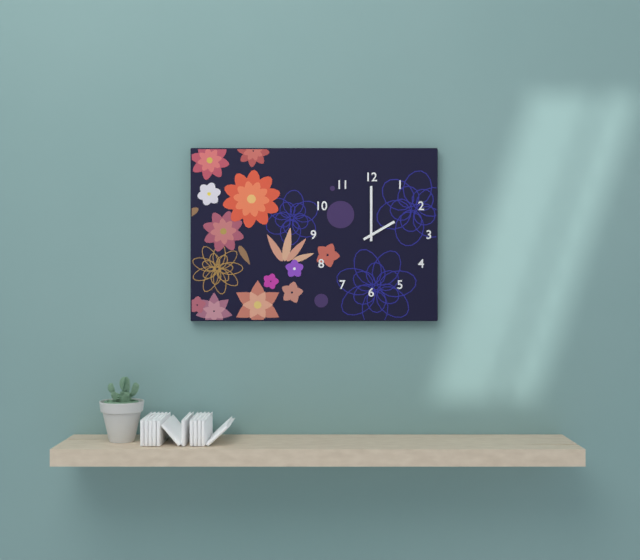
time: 2:00
